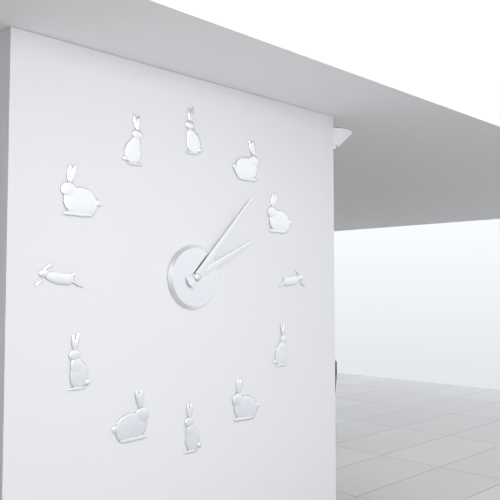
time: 2:07
